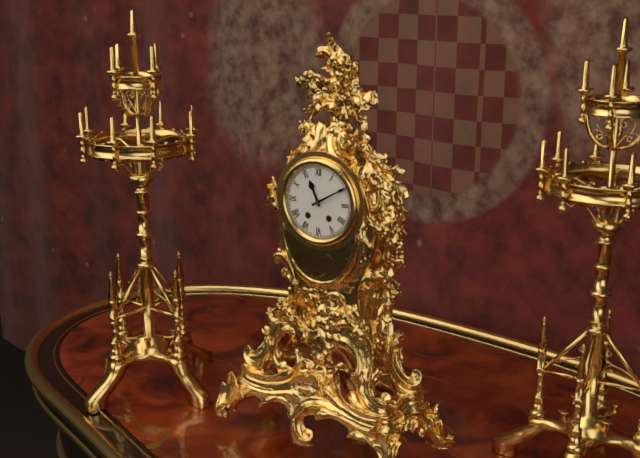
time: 11:10
